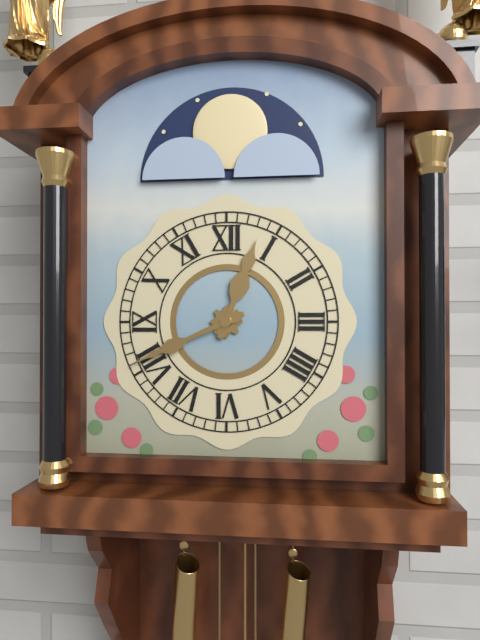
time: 12:41
